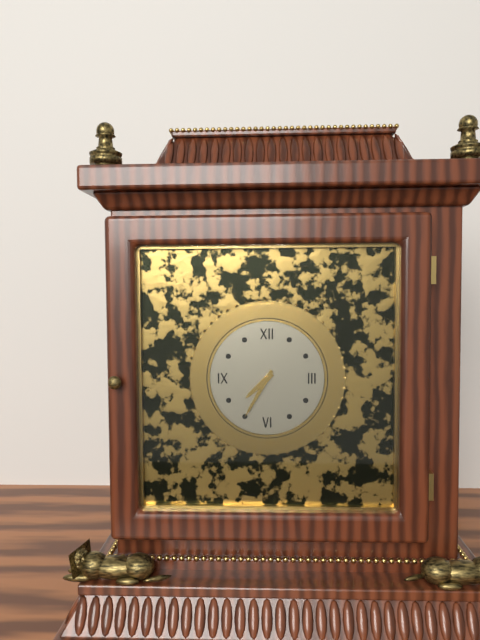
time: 7:35
